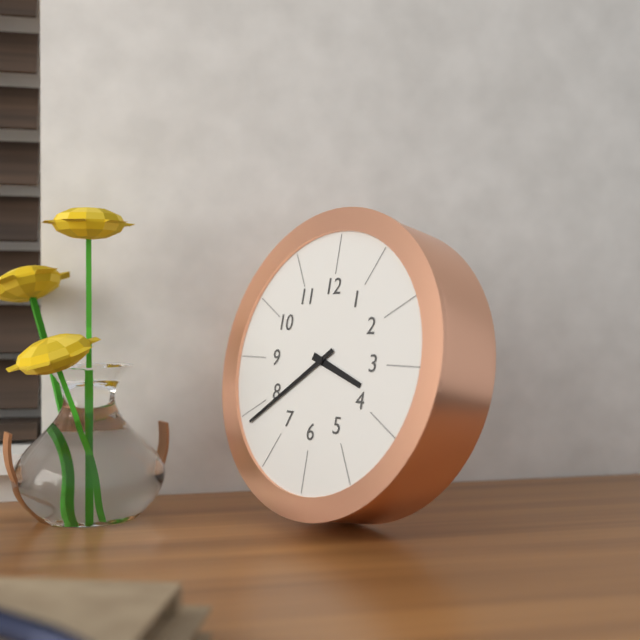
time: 3:39
